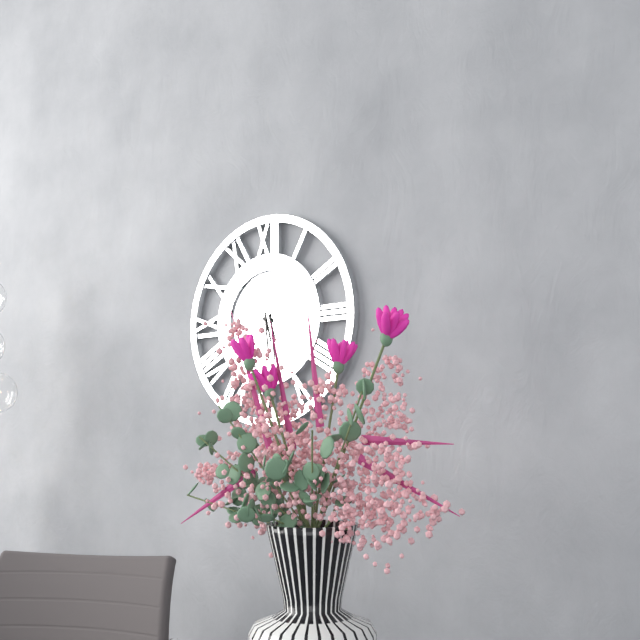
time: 5:29
